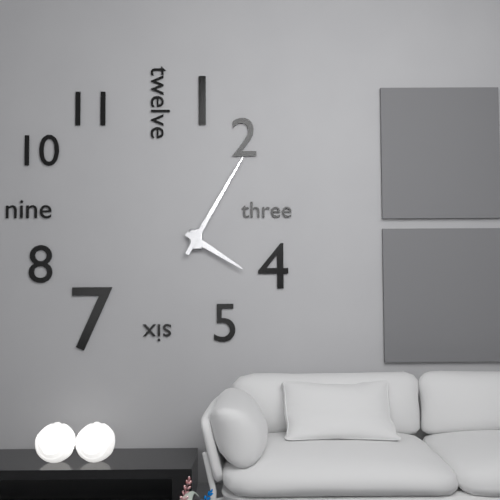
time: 4:05
